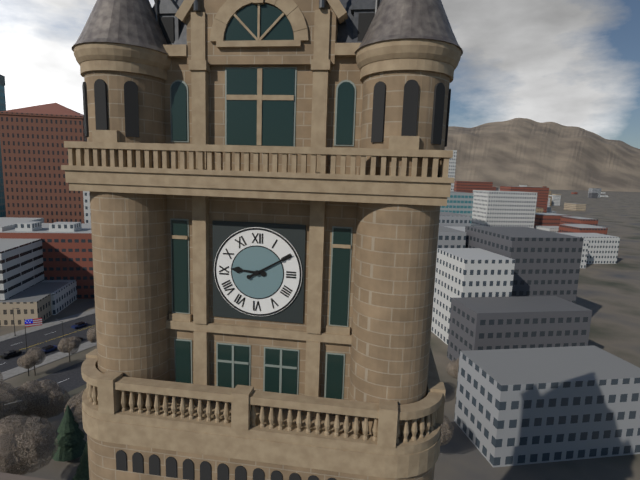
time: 9:10
